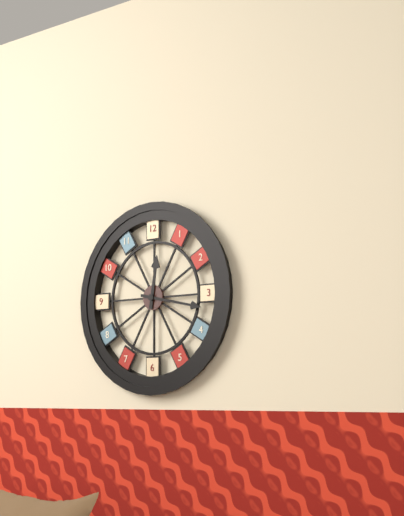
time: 12:17
